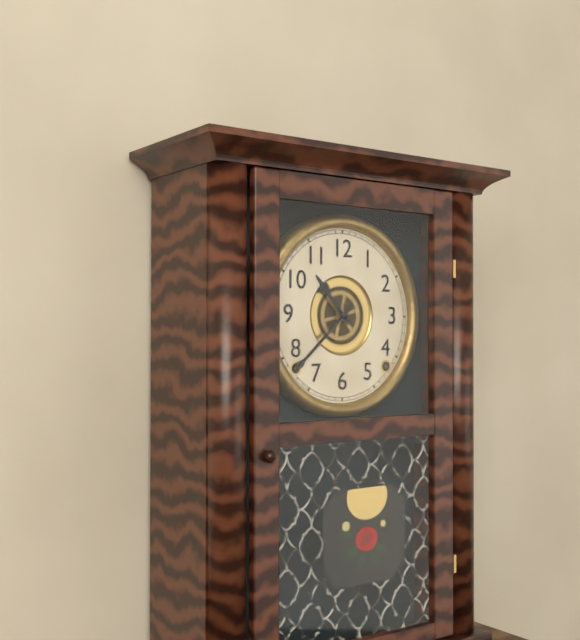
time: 10:38
